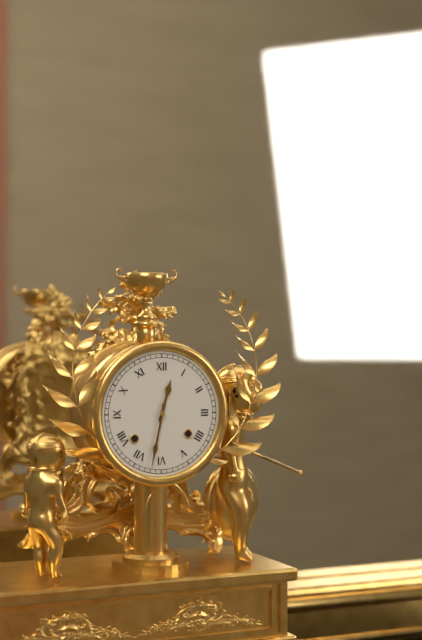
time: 12:32
